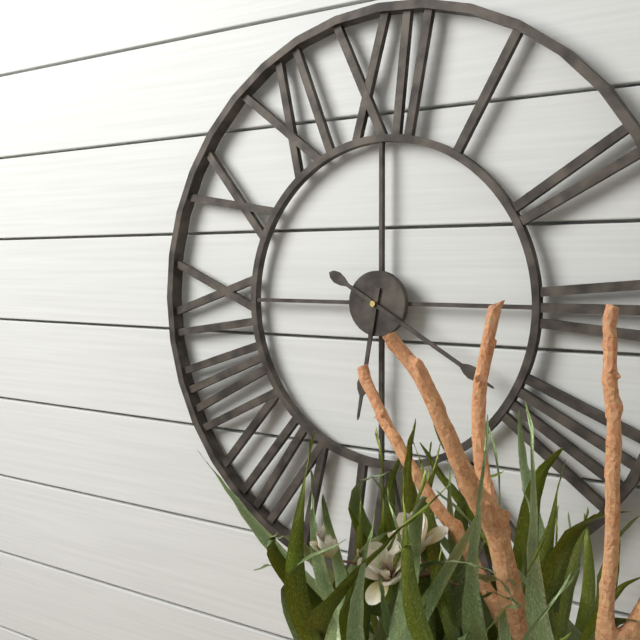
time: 6:20
